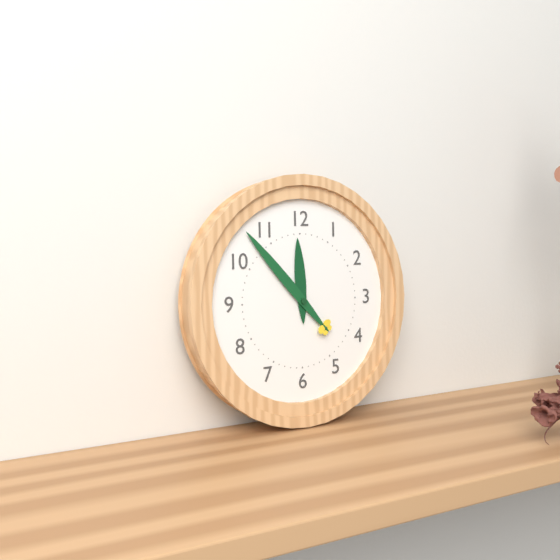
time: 11:53
